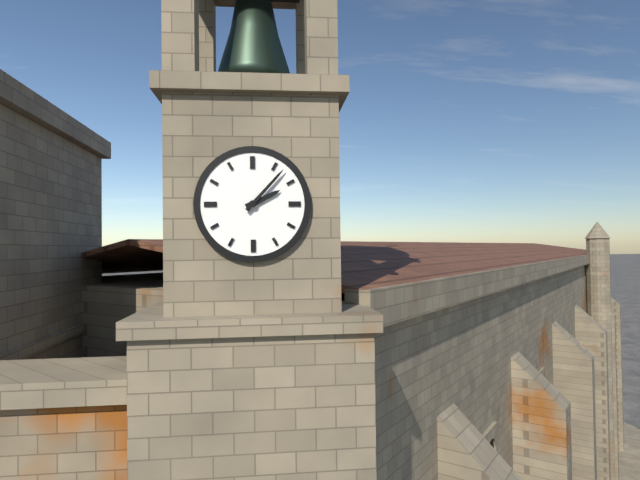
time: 2:07
